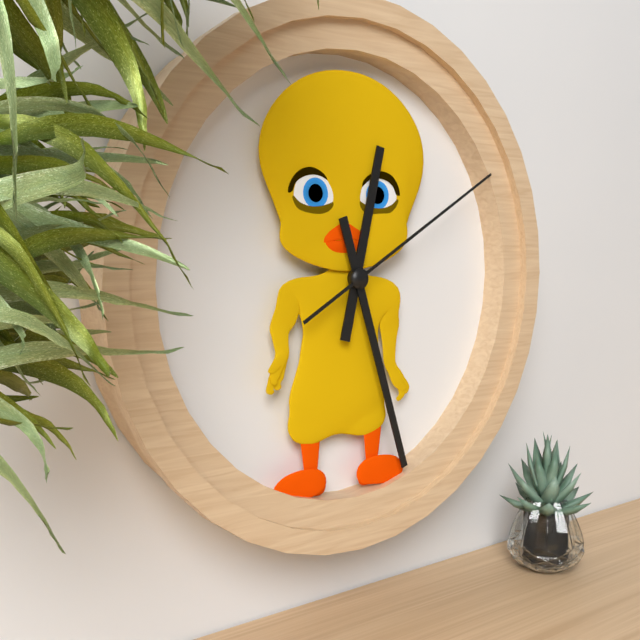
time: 12:27:10
